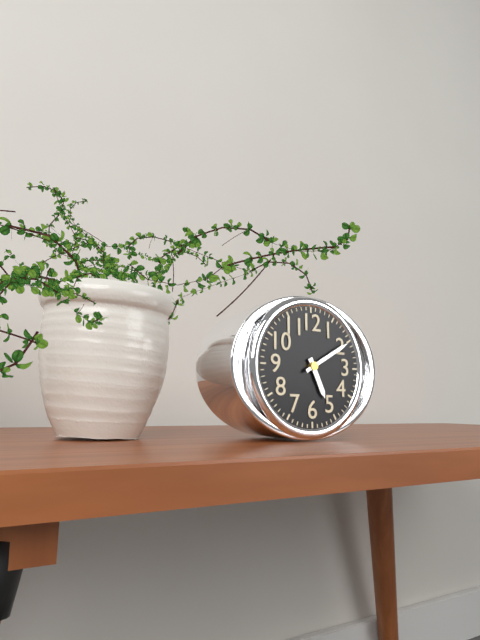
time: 5:10
